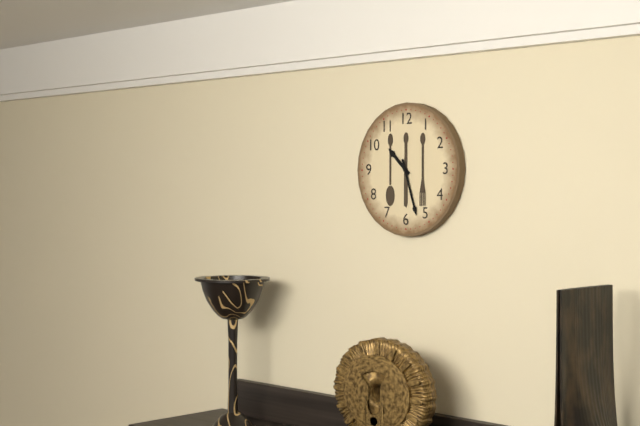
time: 10:27
